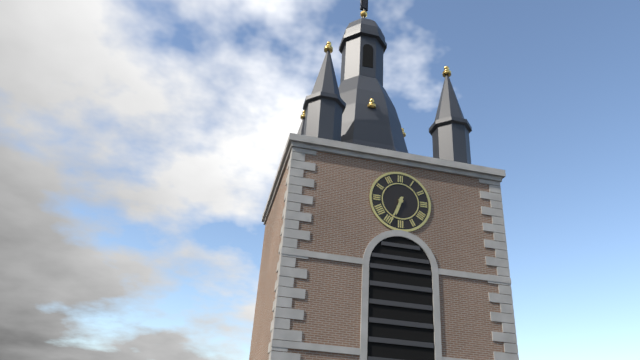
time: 6:34
